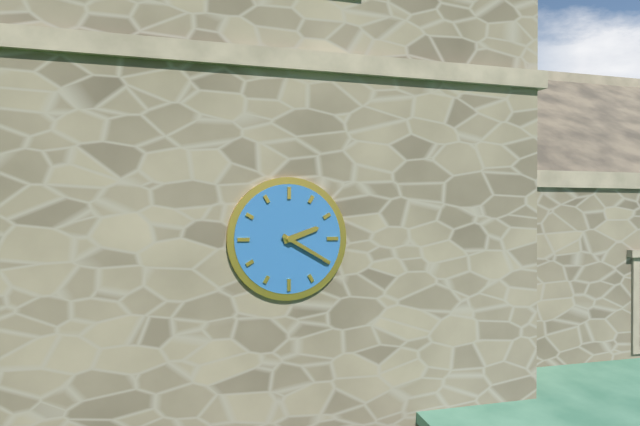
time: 2:20
